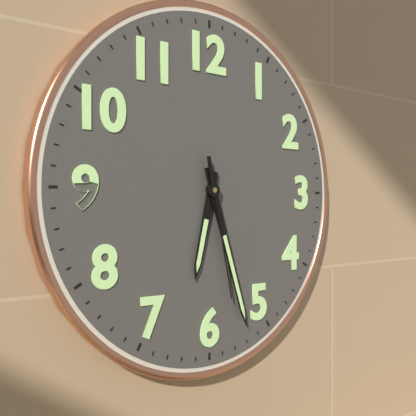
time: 6:27:28
